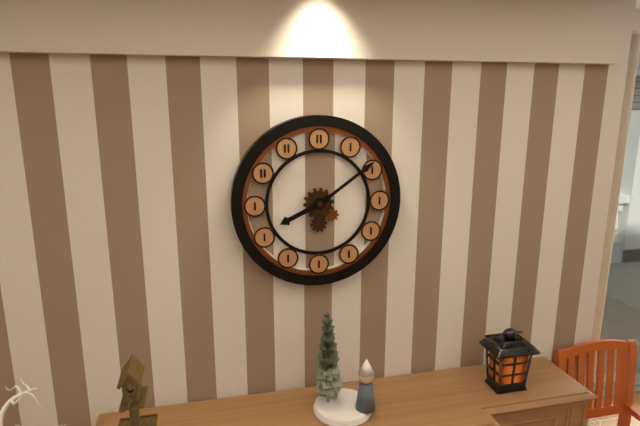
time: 8:09
